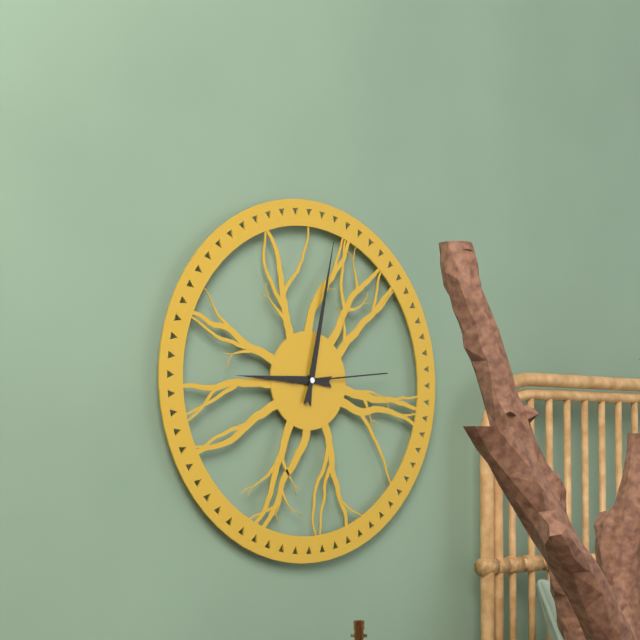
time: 9:02:14
